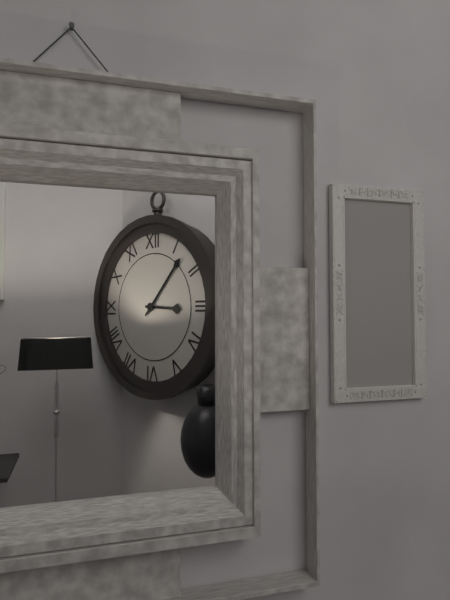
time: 3:07
